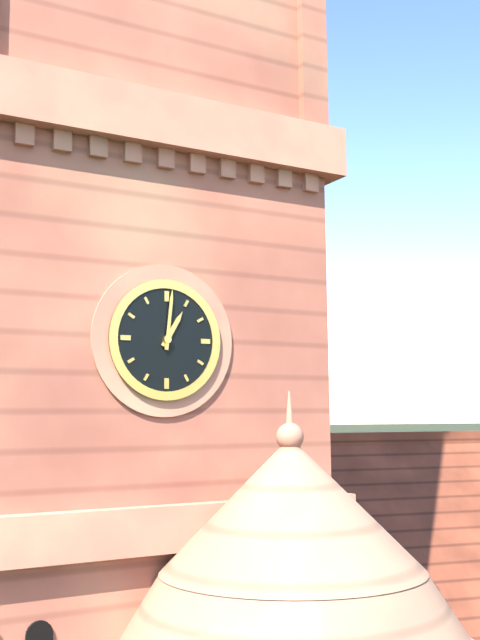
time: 1:01
